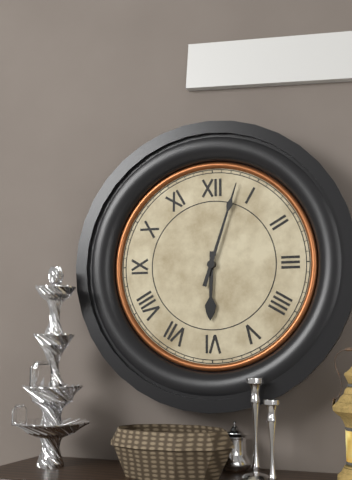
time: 6:03
